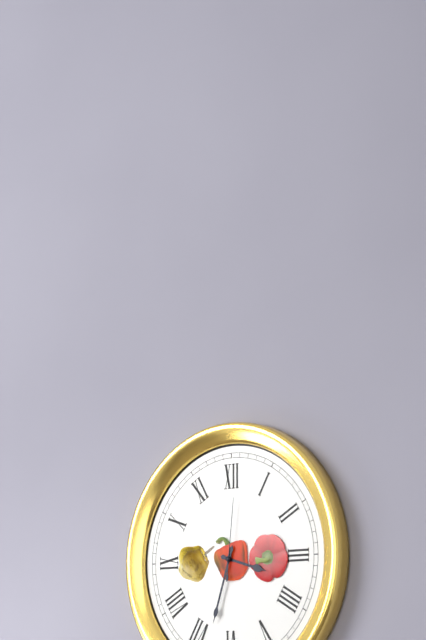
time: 3:33:01
